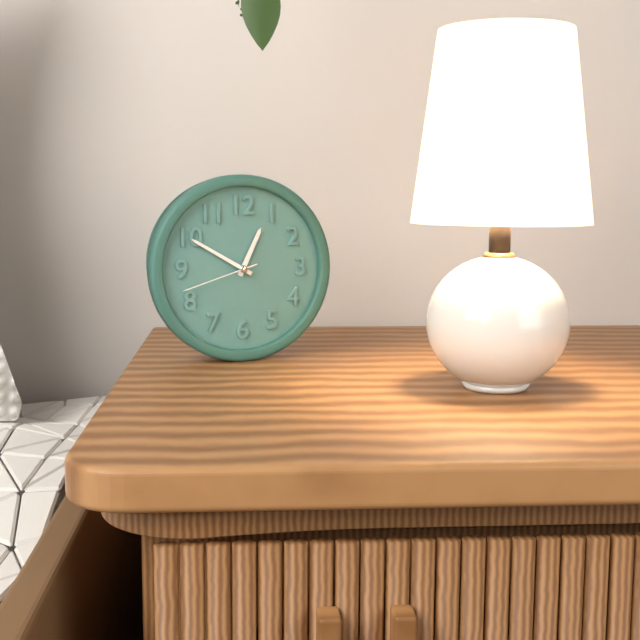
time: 12:50:42
